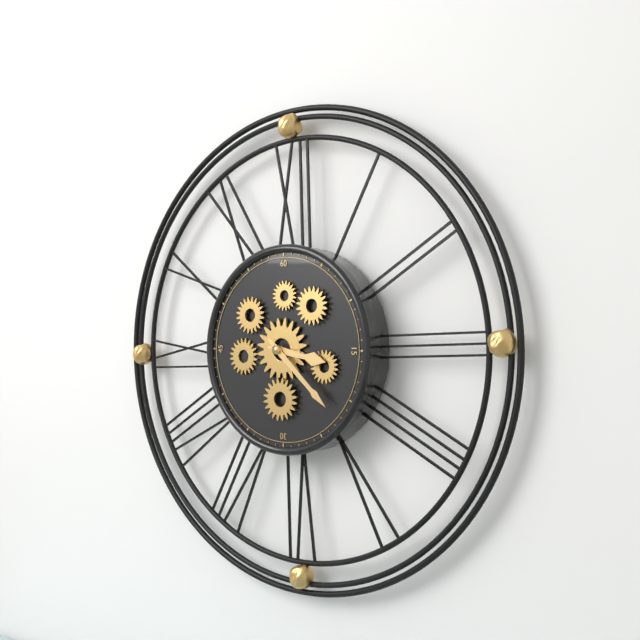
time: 3:22
